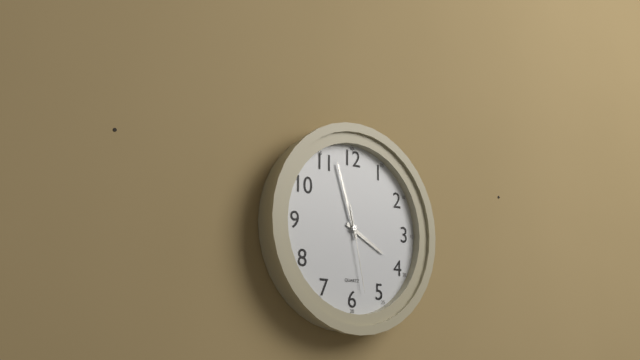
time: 3:57:28
